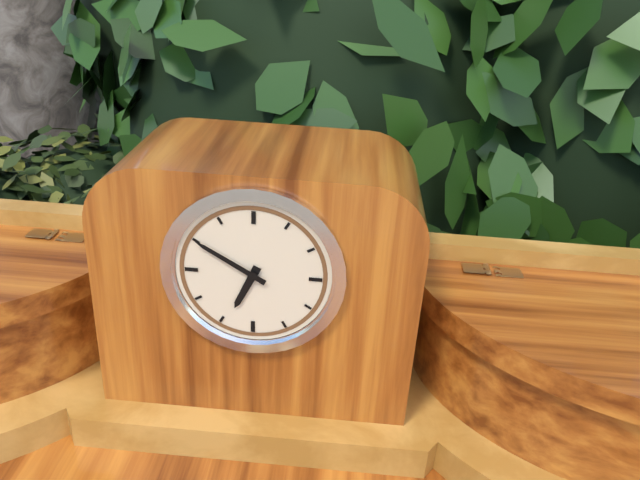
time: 6:50
